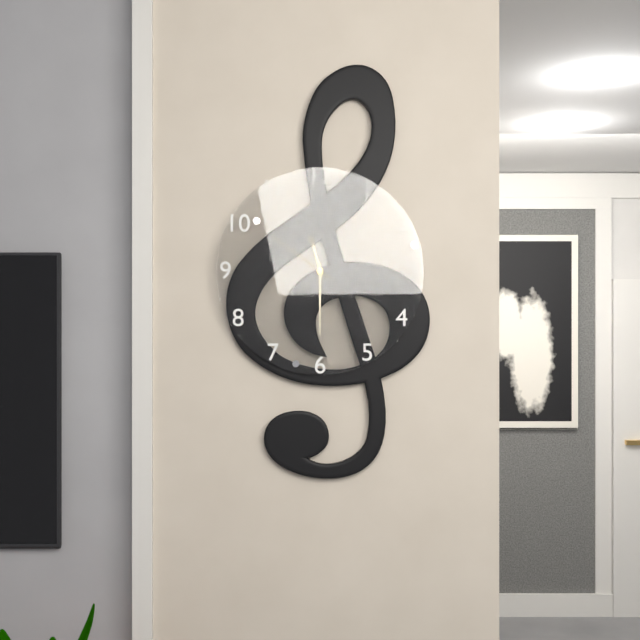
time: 11:30:51
